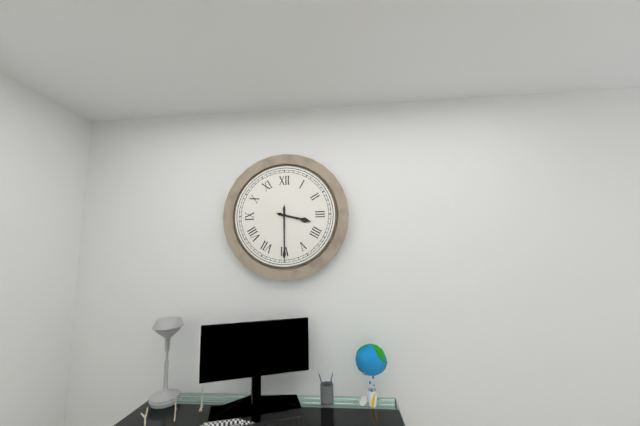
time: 3:30
